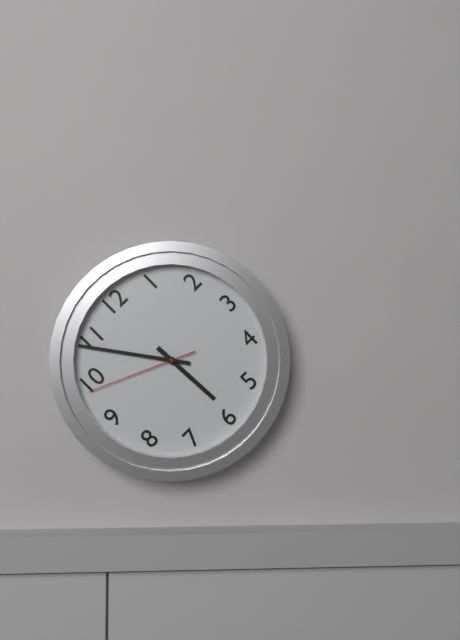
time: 5:54:49
